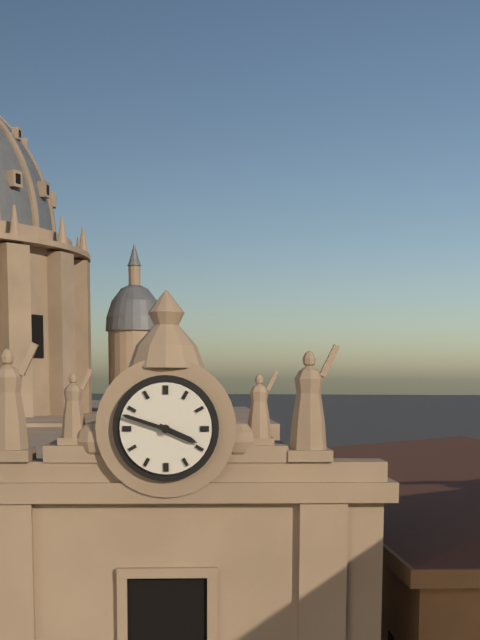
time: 3:48
